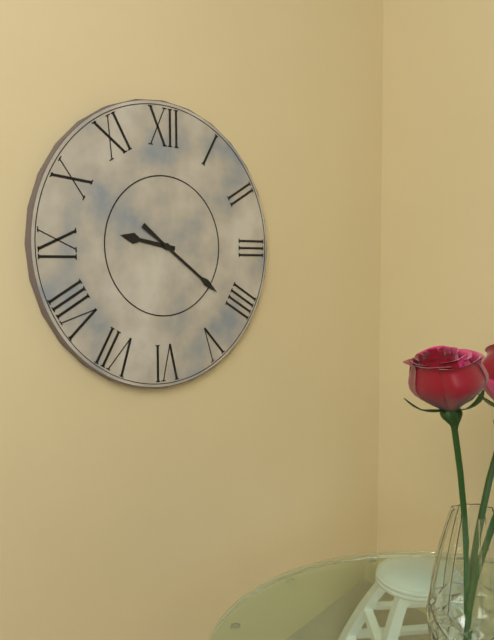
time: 9:21
